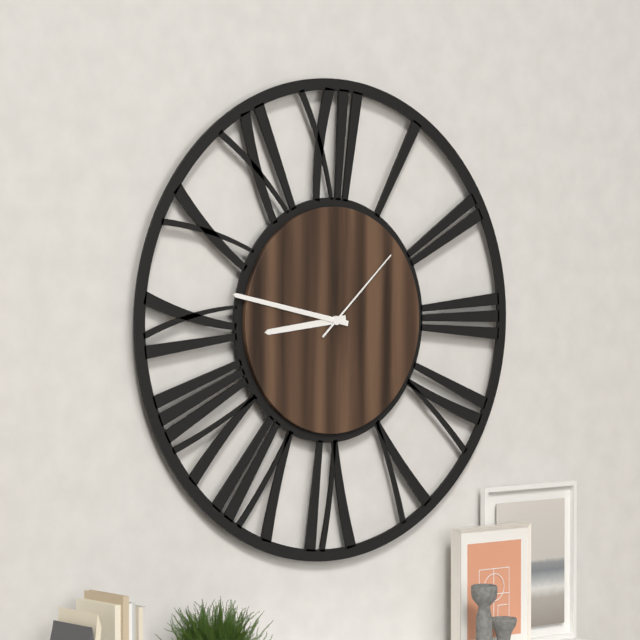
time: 8:47:08
